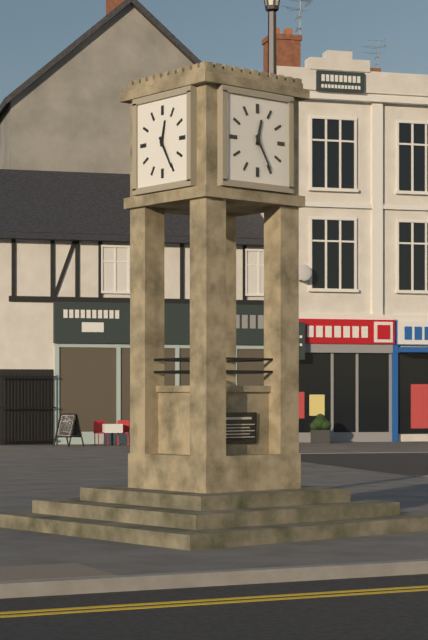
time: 12:25
